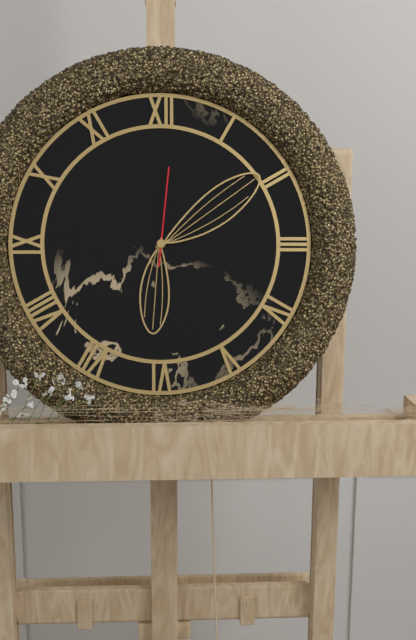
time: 6:09:01
